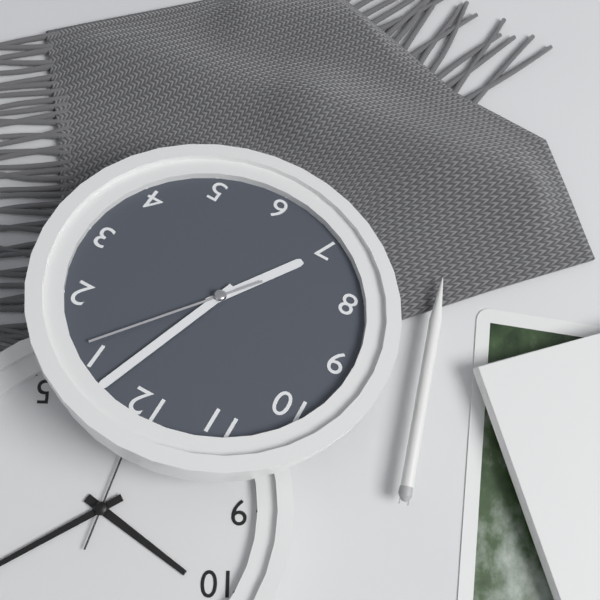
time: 7:03:06
